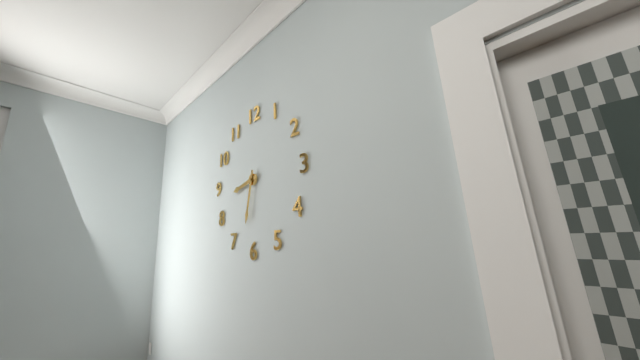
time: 8:32
